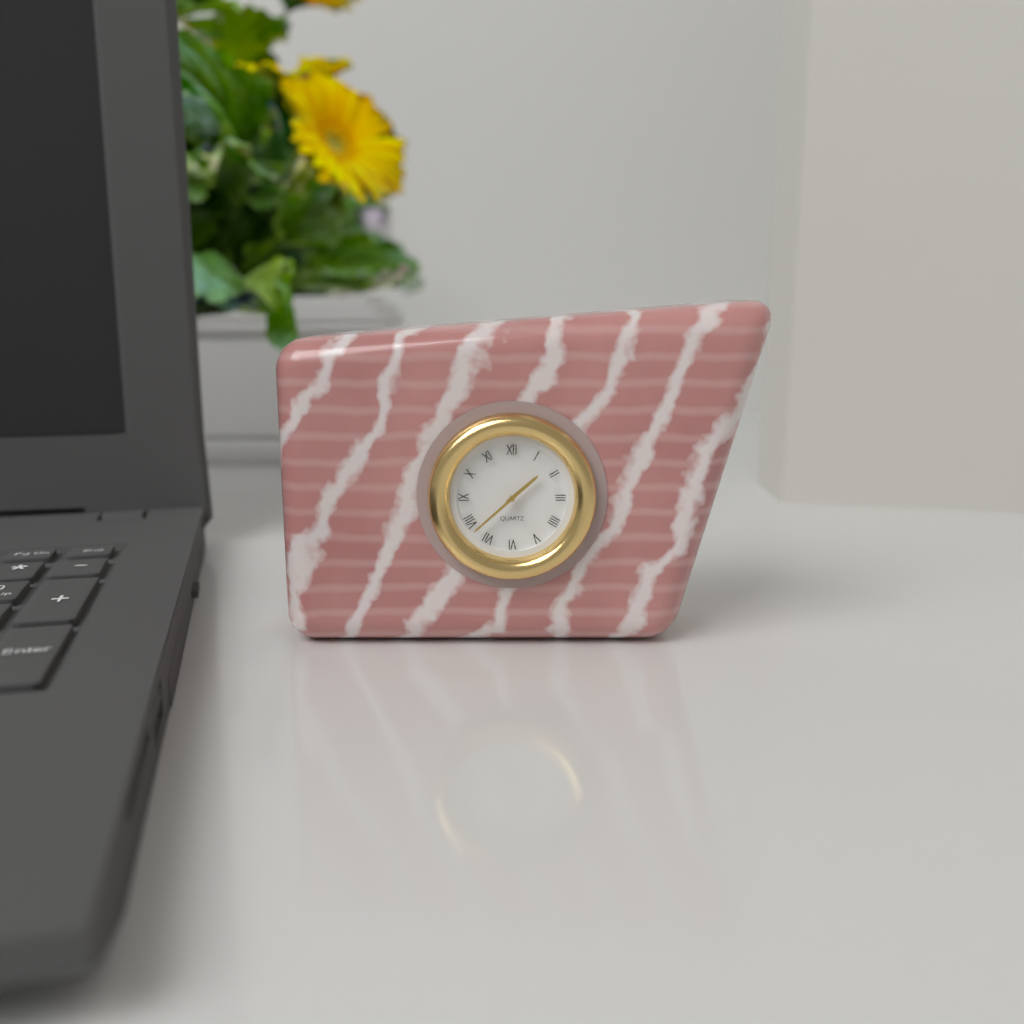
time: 1:38
